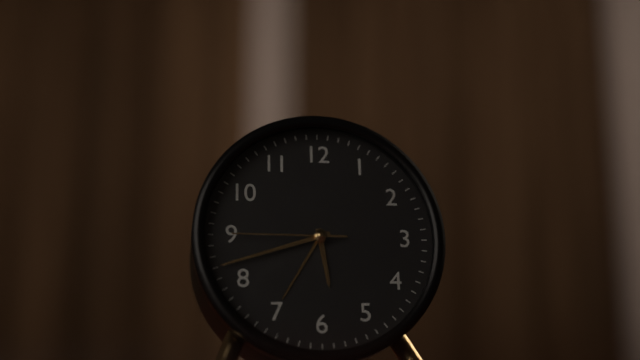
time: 5:42:45
